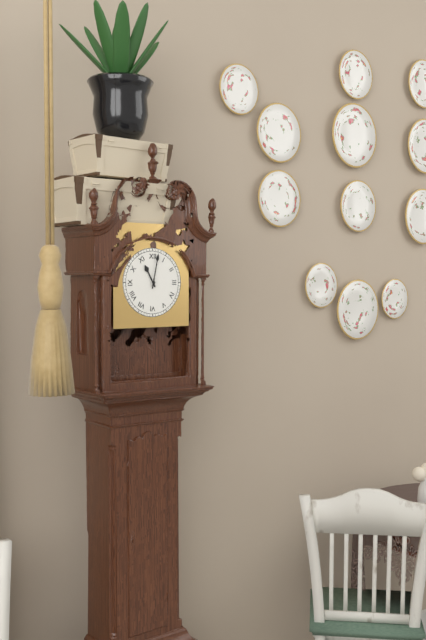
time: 11:02
